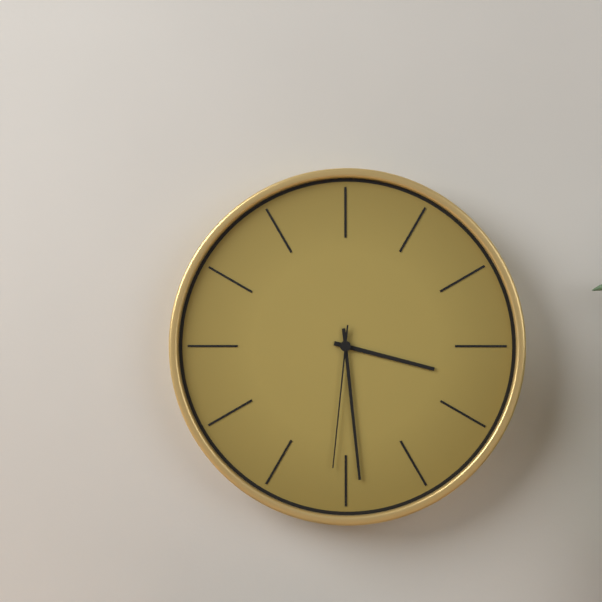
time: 3:29:31
